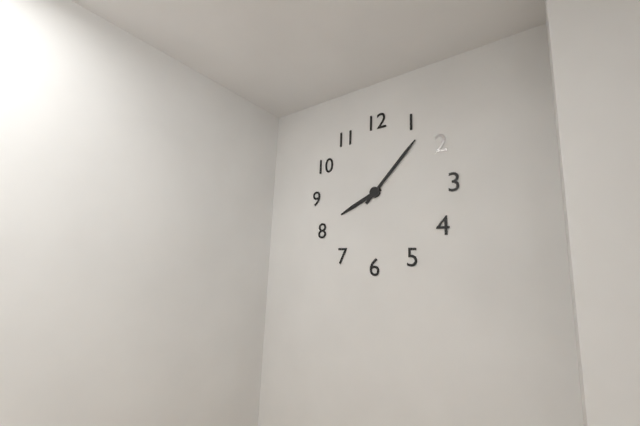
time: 8:07
